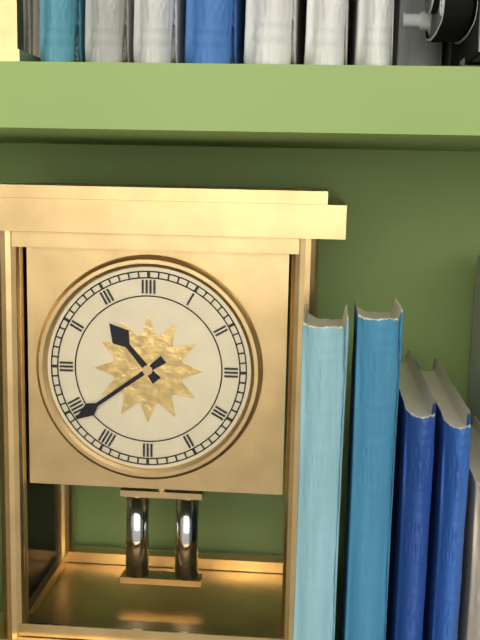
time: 10:39
